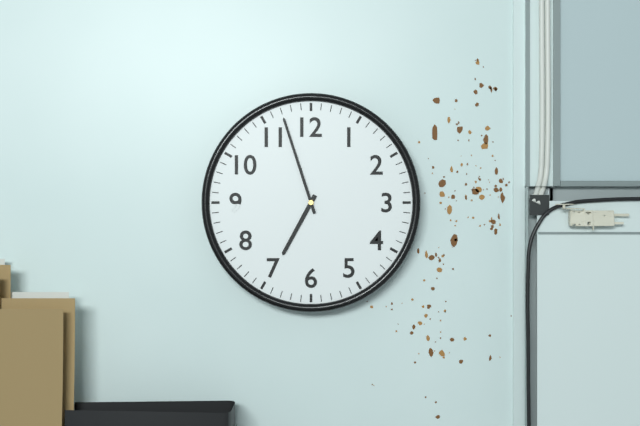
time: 6:57
